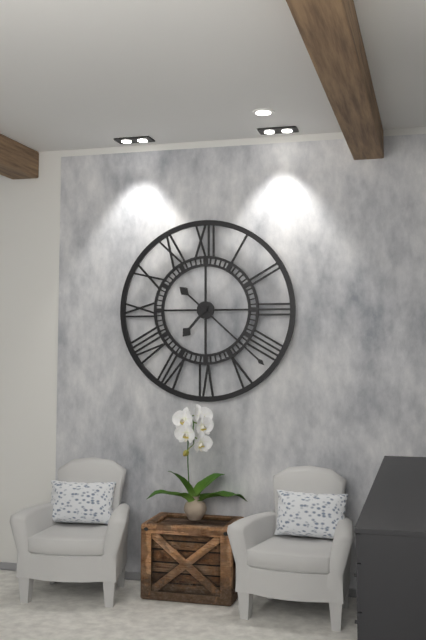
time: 7:22
